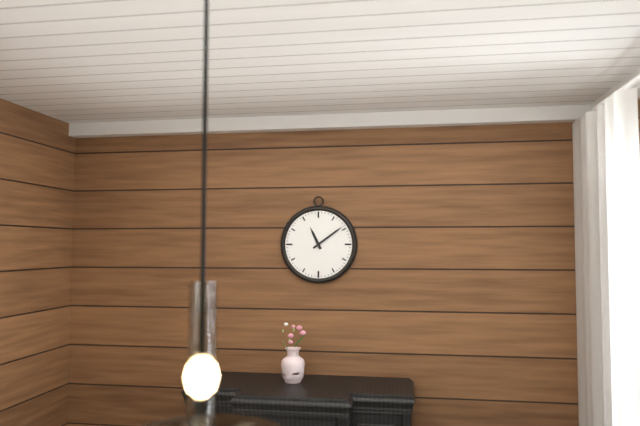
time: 11:09
